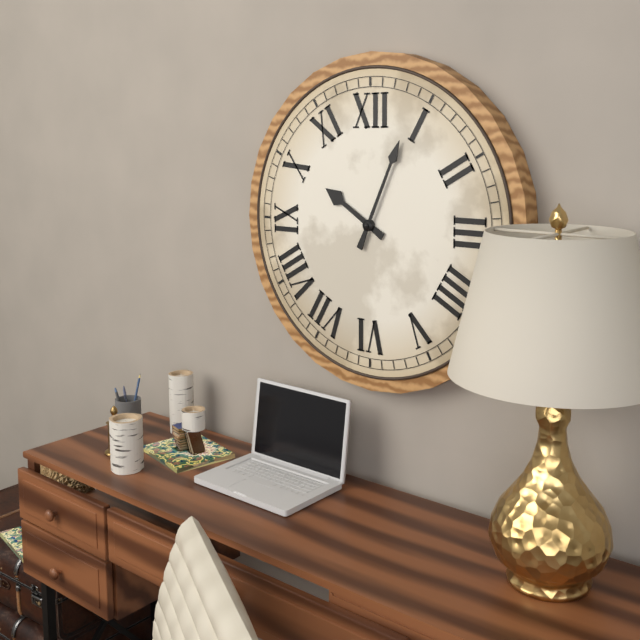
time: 10:04
